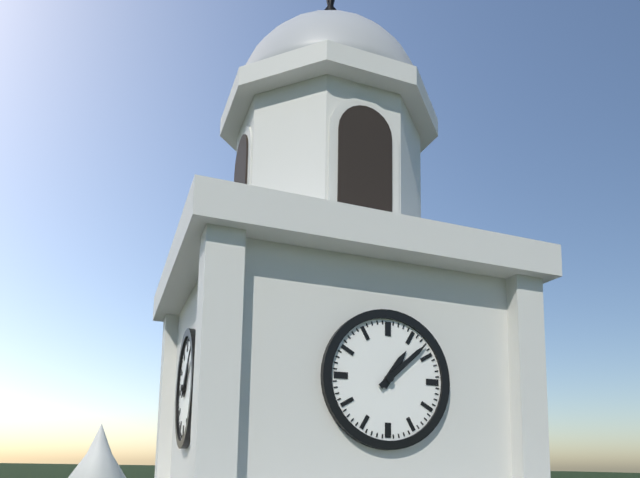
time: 1:08
